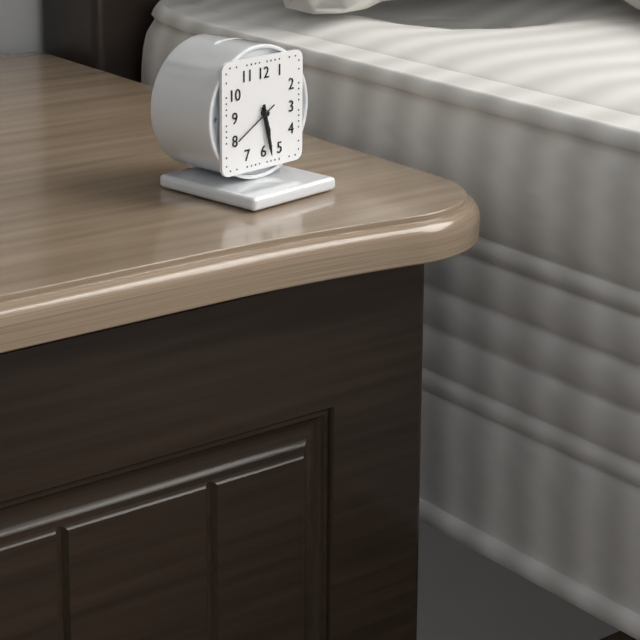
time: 5:28
